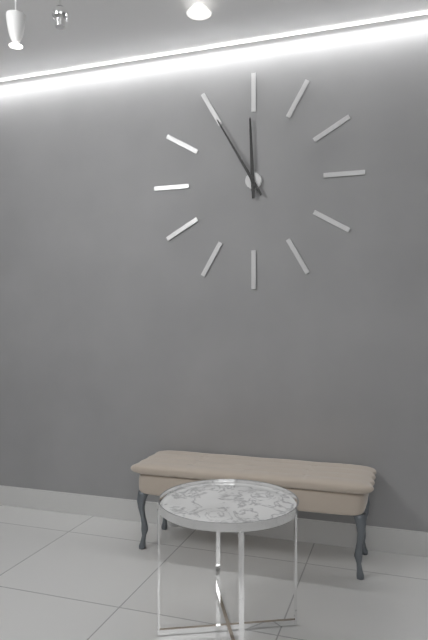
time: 11:55
